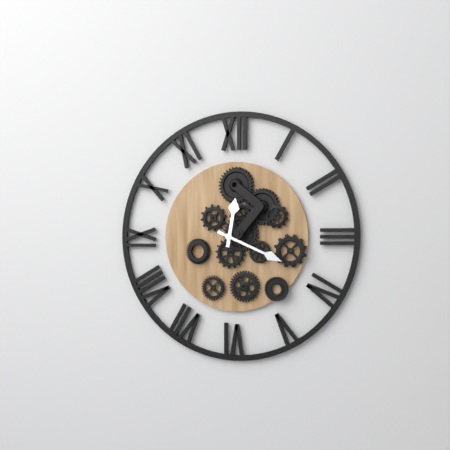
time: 12:19
